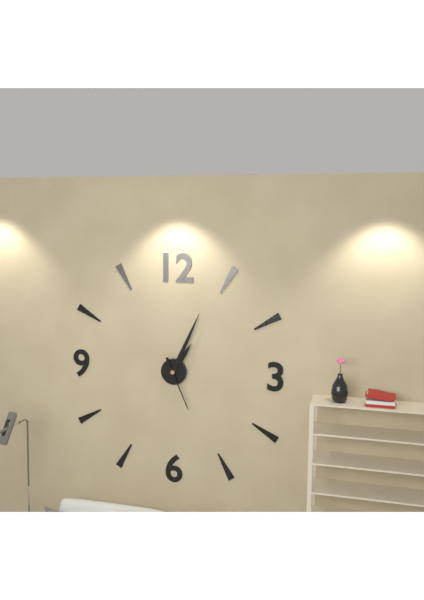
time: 1:04:26
